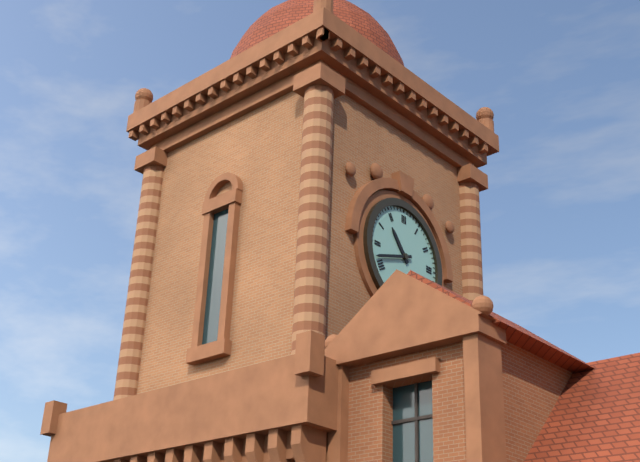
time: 10:42
